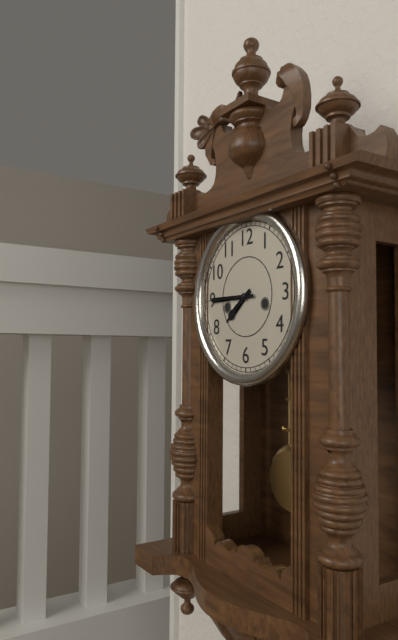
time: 7:45
